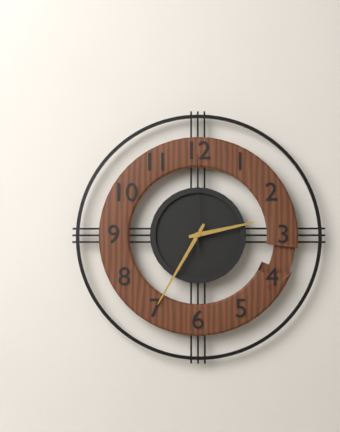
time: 2:35:00
